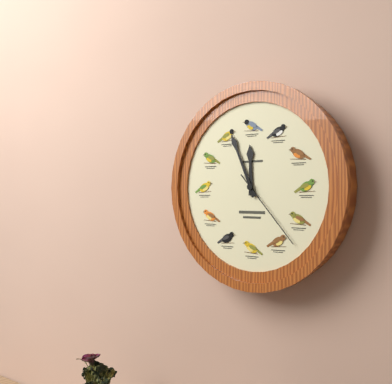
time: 11:56:23
